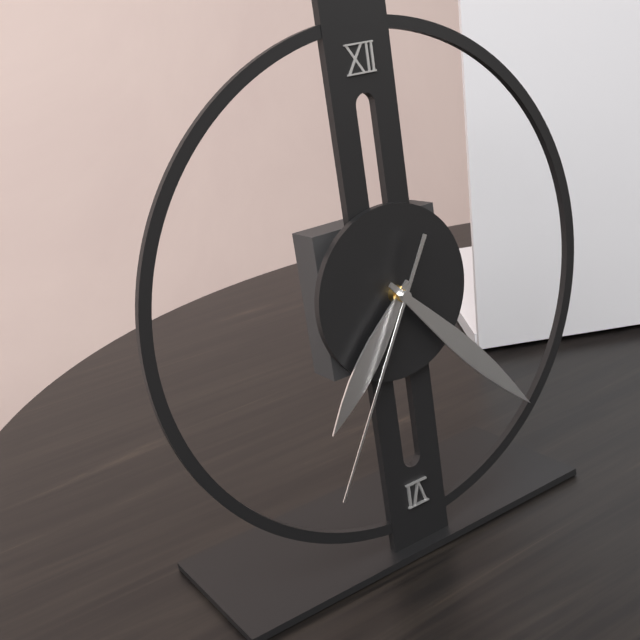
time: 7:23:35
